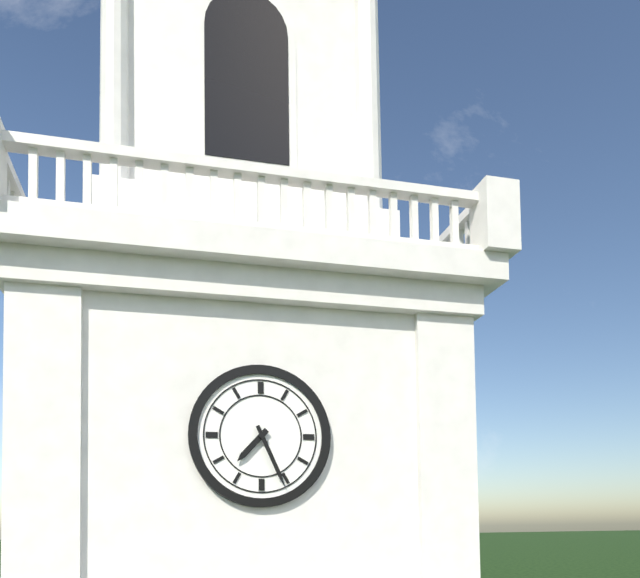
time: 7:26
